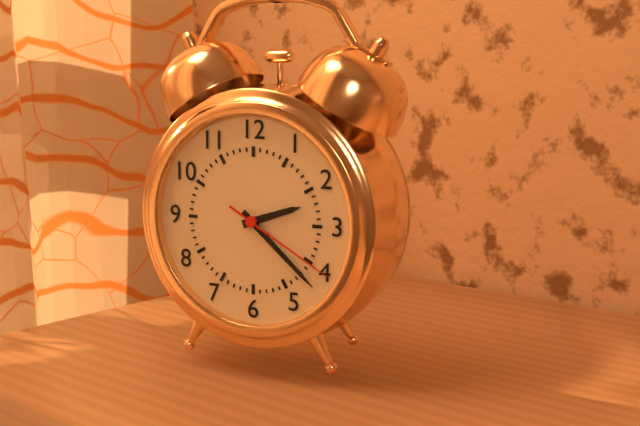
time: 2:22:20
